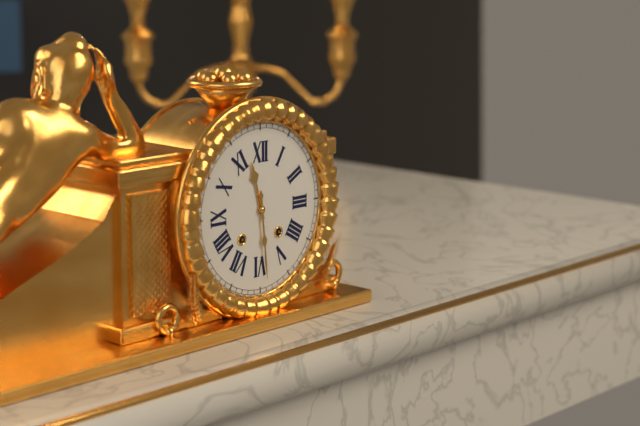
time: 11:29
